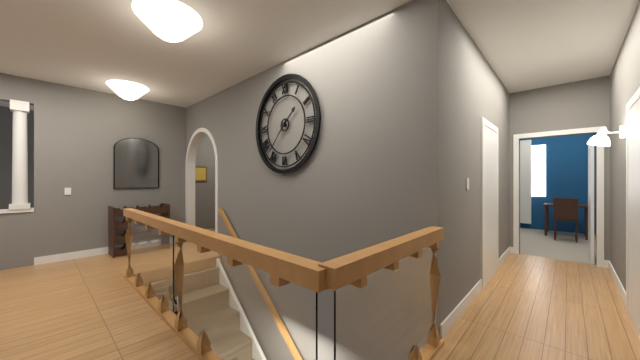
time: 1:37
